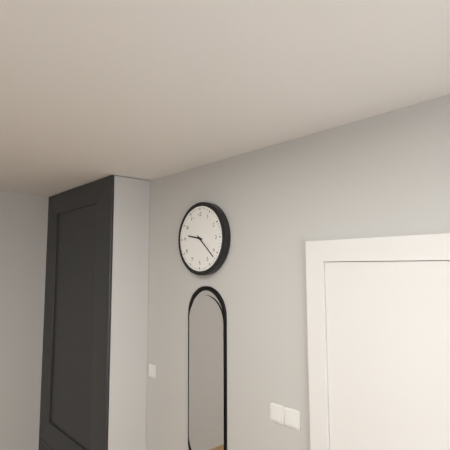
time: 9:22
